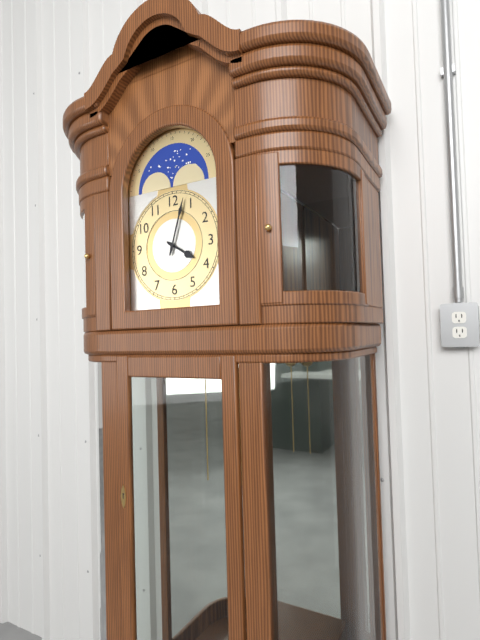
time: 4:03
